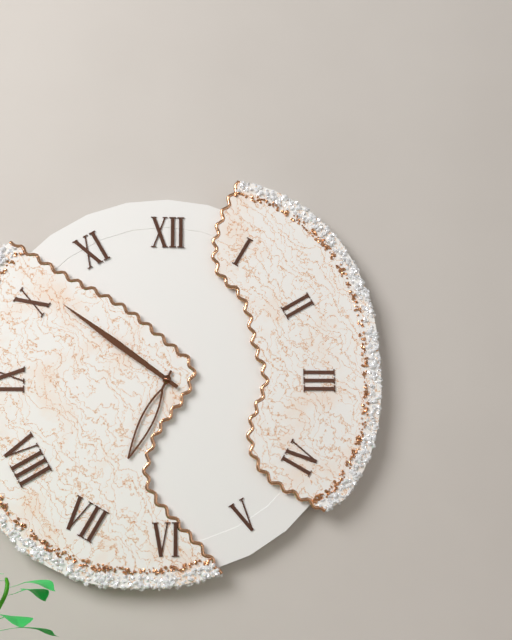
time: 6:51
